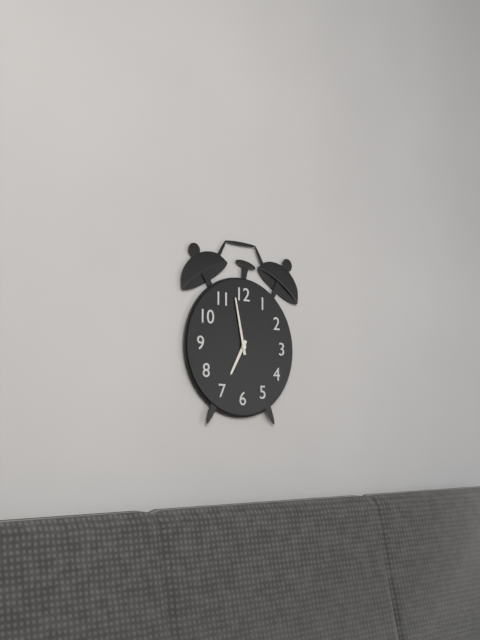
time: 6:58
